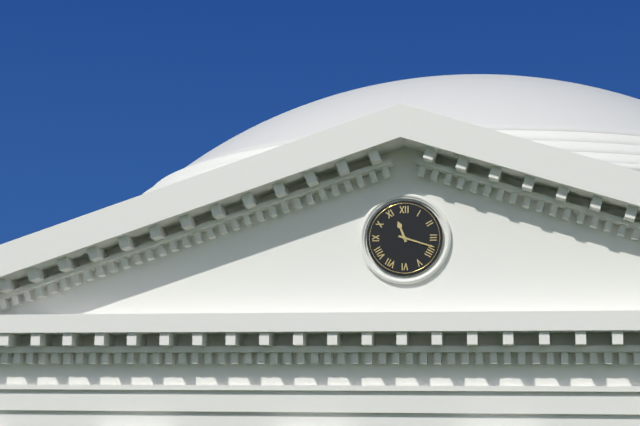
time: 11:18
